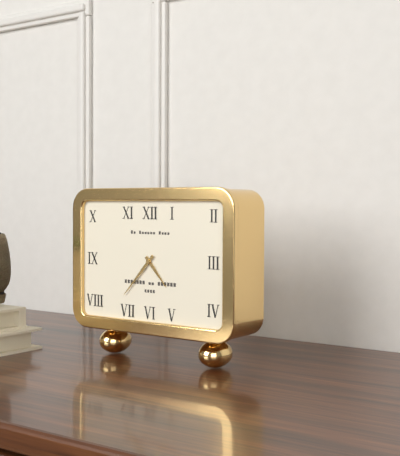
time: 4:37
